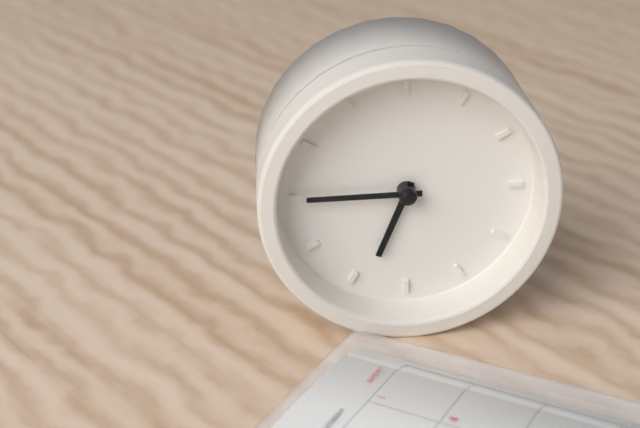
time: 6:45
